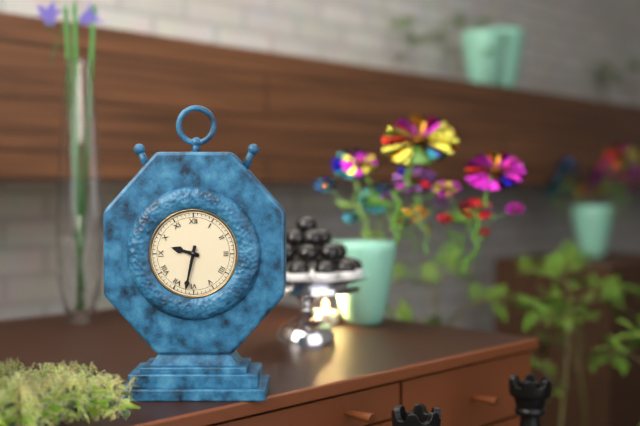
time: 9:32
